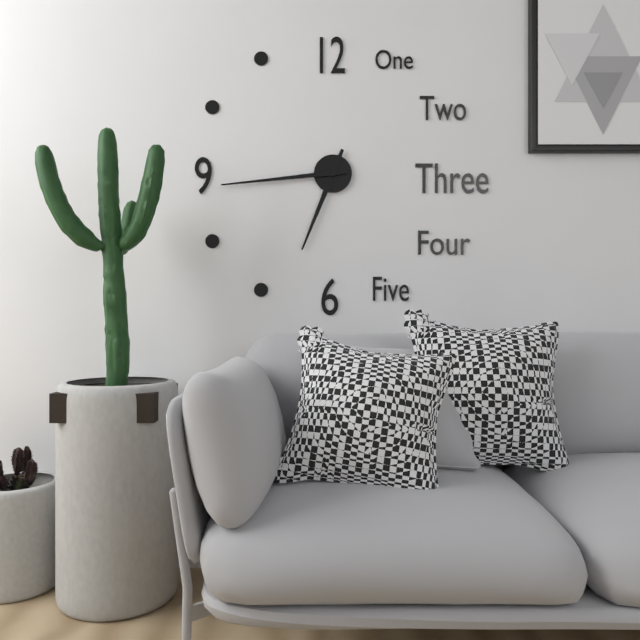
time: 6:44
